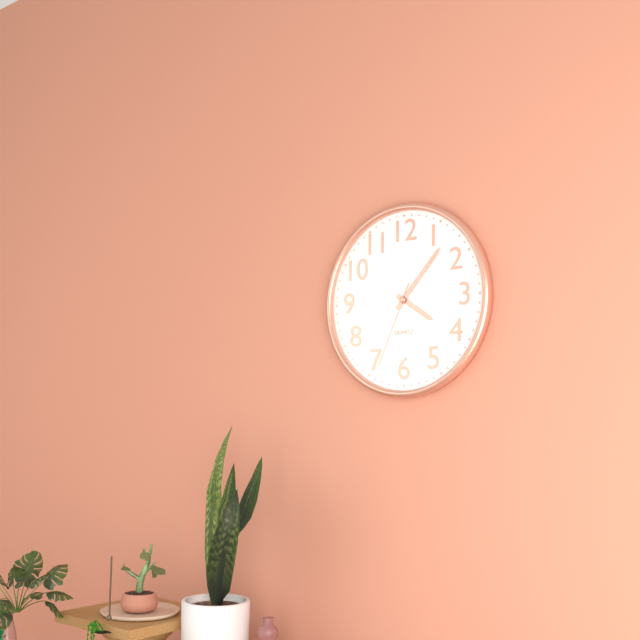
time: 4:07:34
